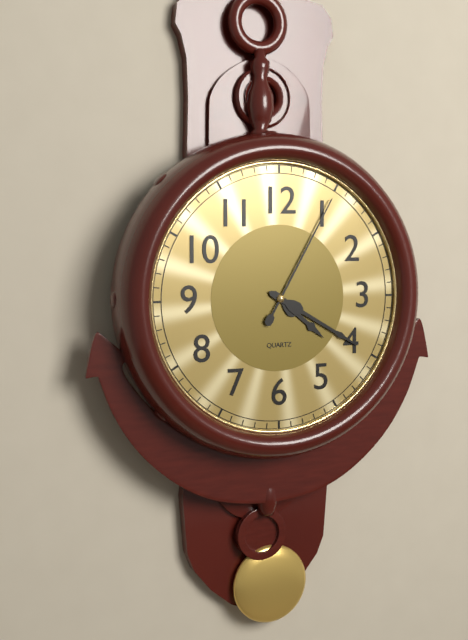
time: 4:20:05
